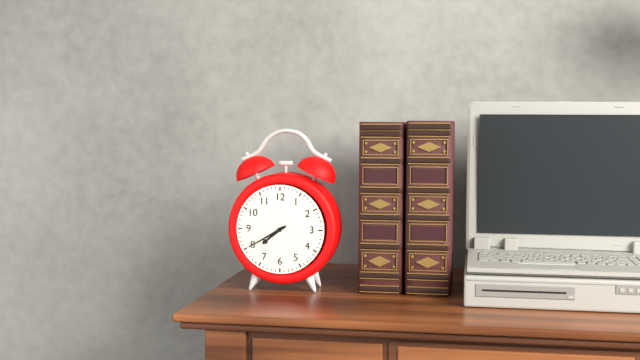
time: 7:40
